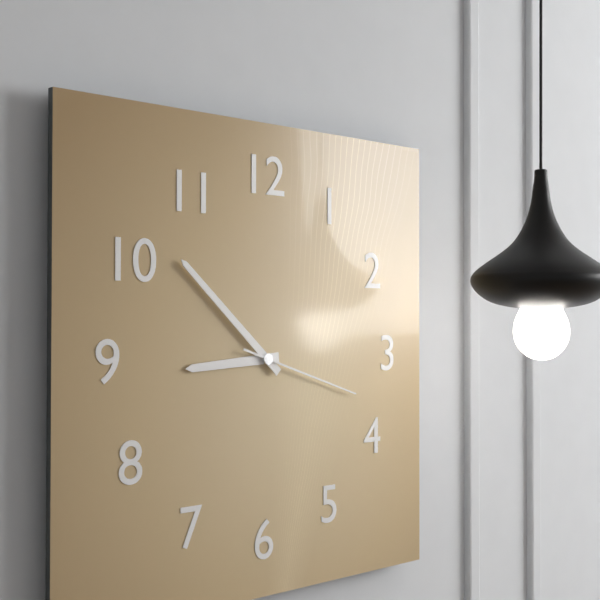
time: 8:52:18
